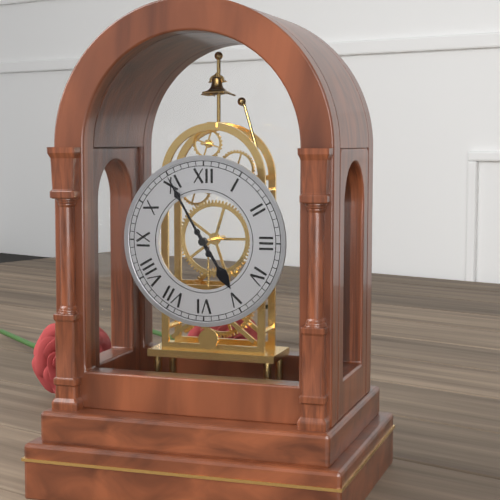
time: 4:55
